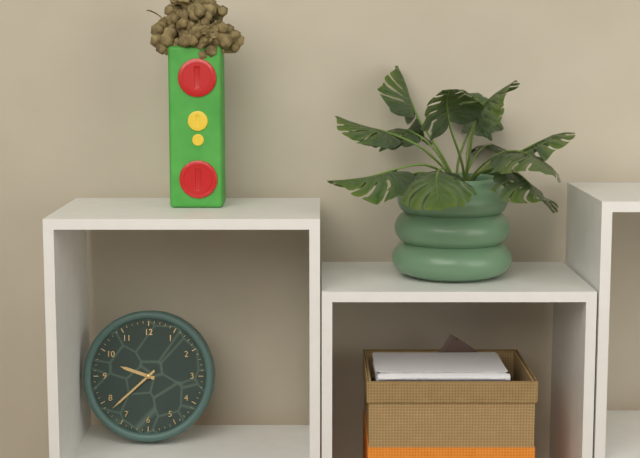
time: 9:38
